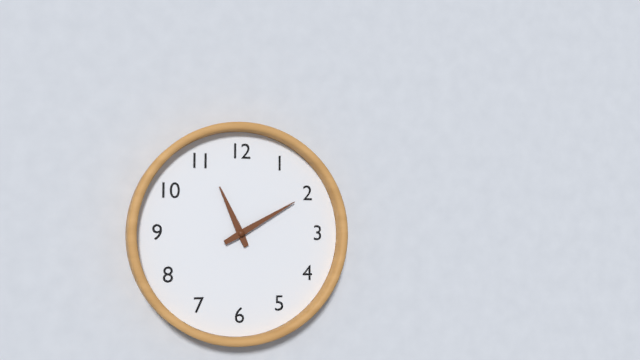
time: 11:10
